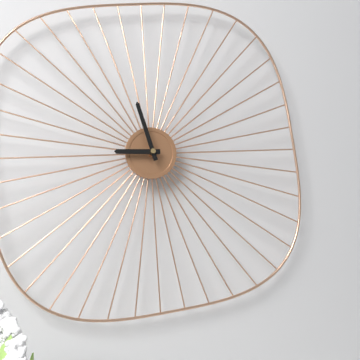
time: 8:57
